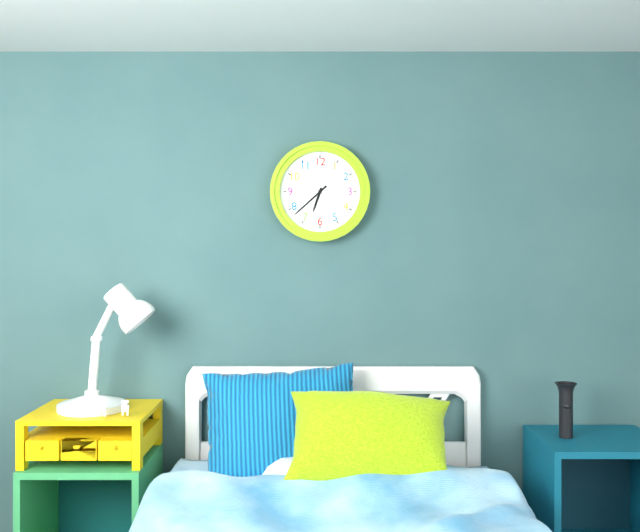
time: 6:38
